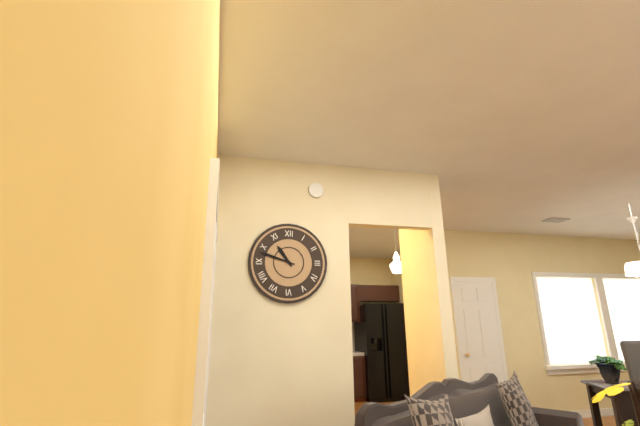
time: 10:48
